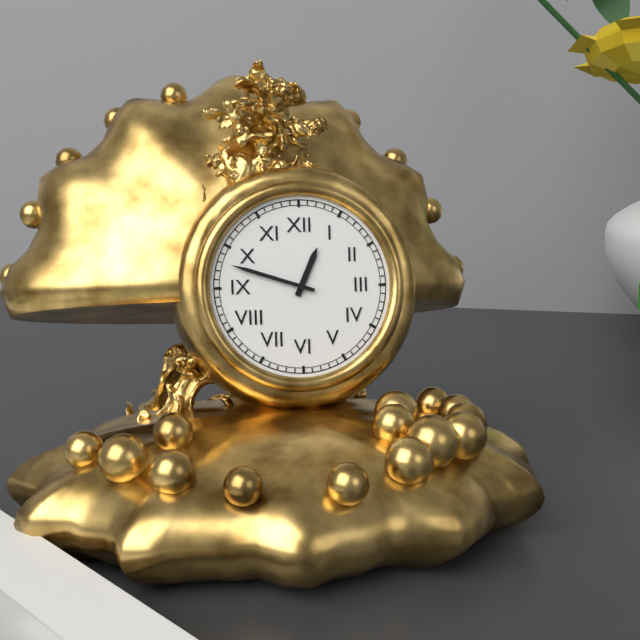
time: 12:48
